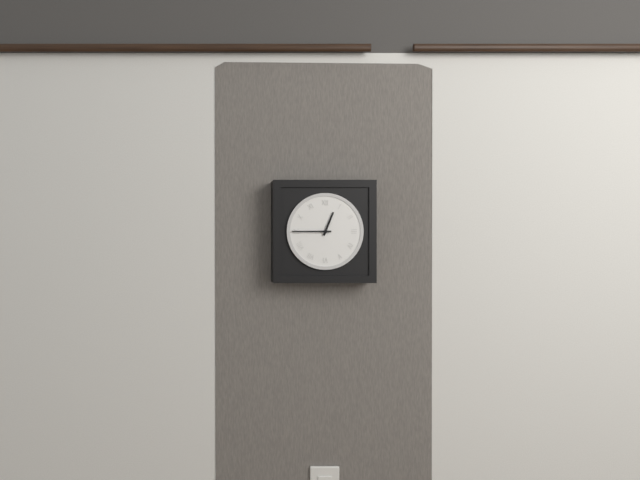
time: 12:45
